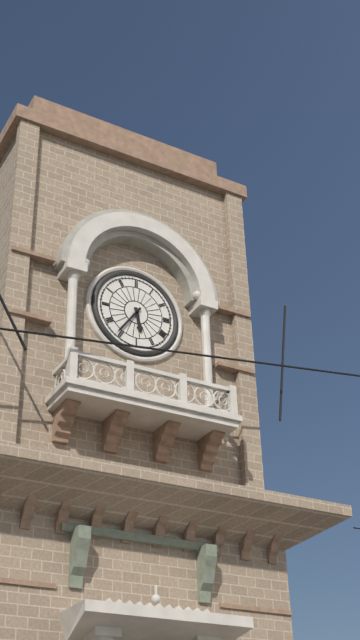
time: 5:36
